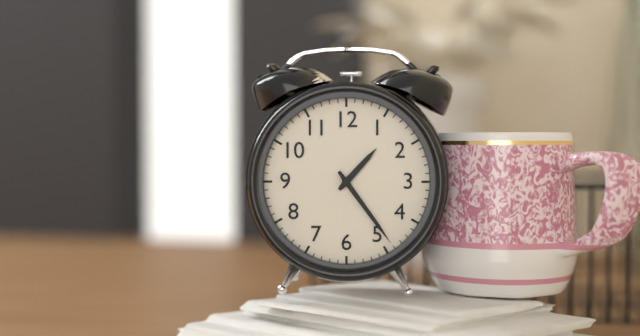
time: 1:24
